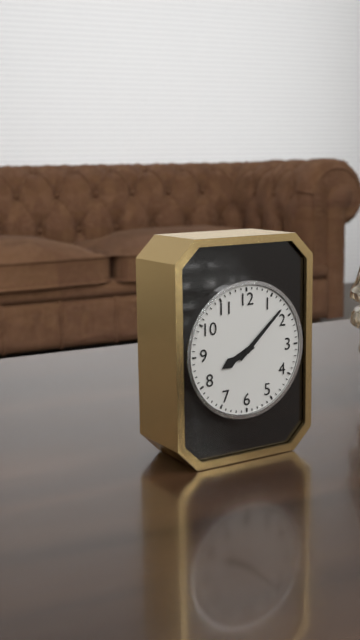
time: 8:08
